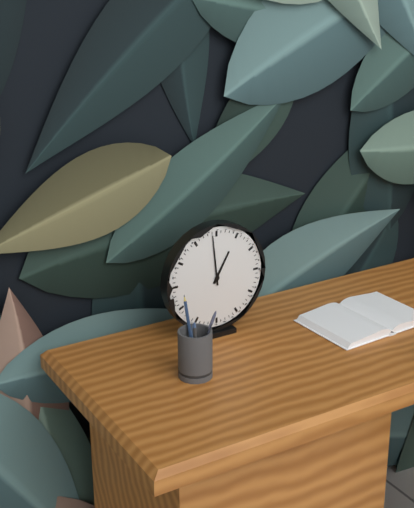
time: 12:59
